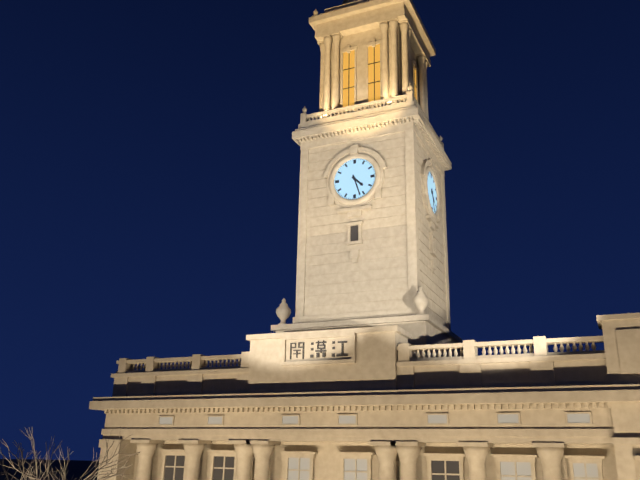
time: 4:27
